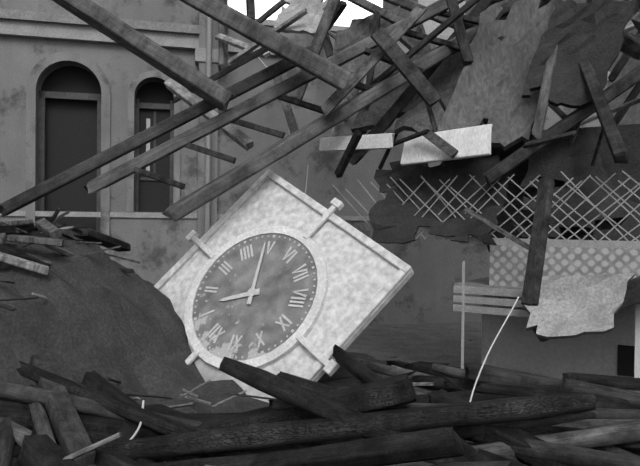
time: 1:24
